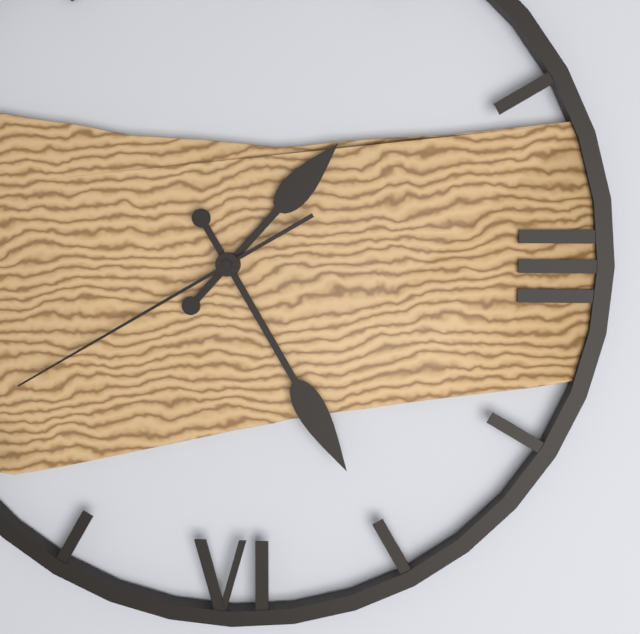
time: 1:25:40
